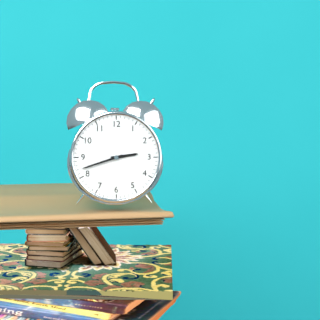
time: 2:42
